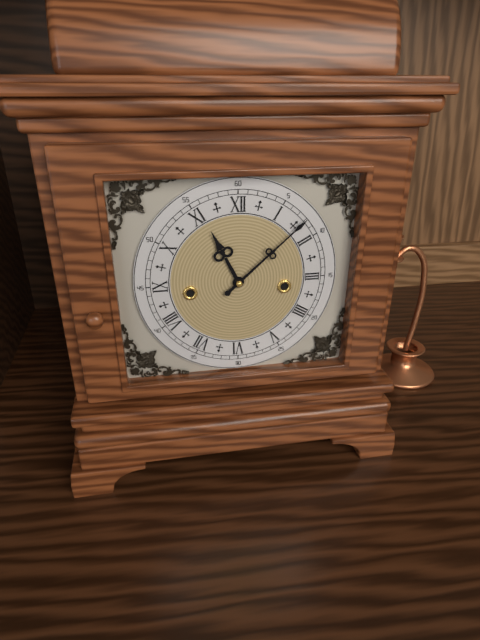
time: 11:08
